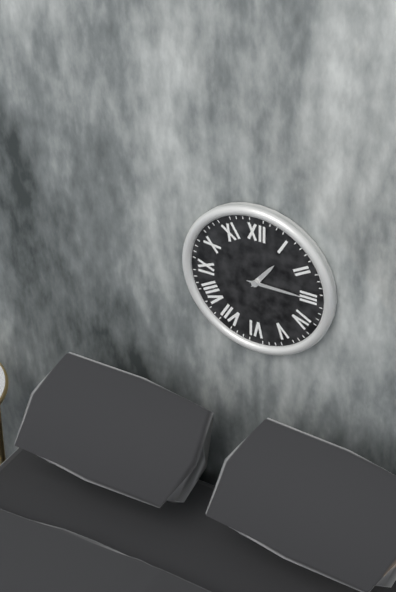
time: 1:15
